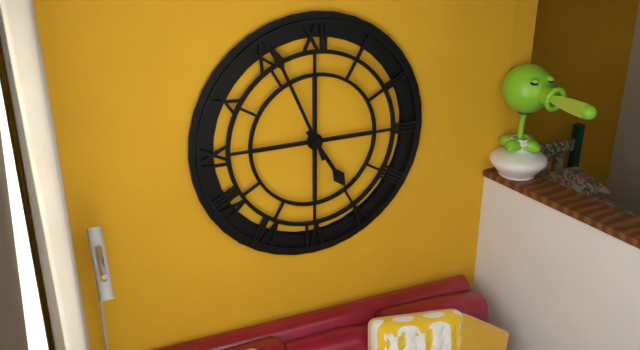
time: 4:56
